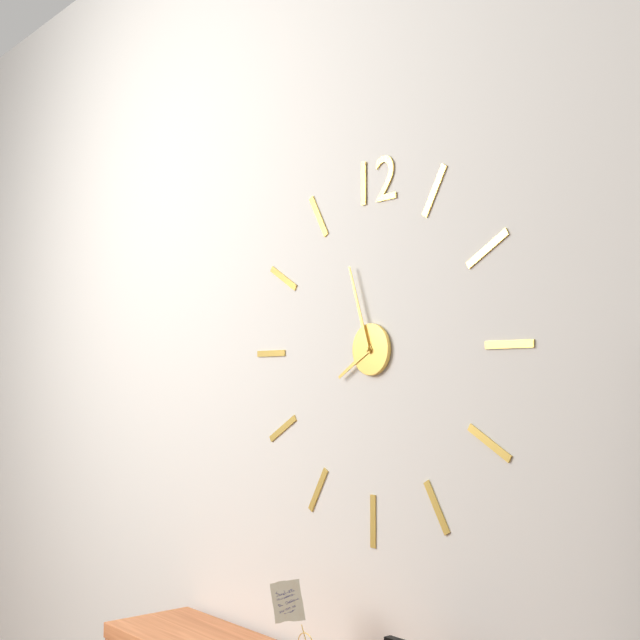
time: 7:57
